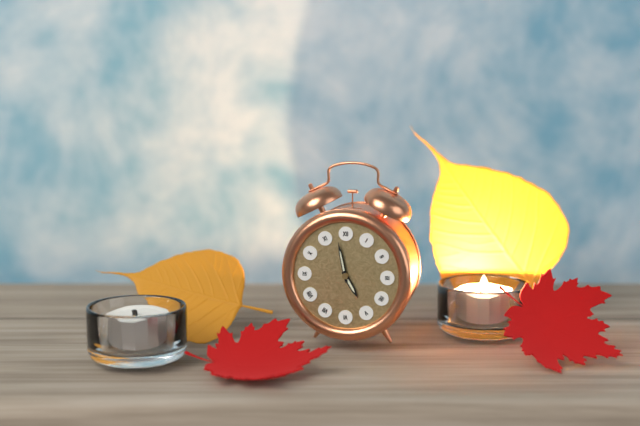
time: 4:58
